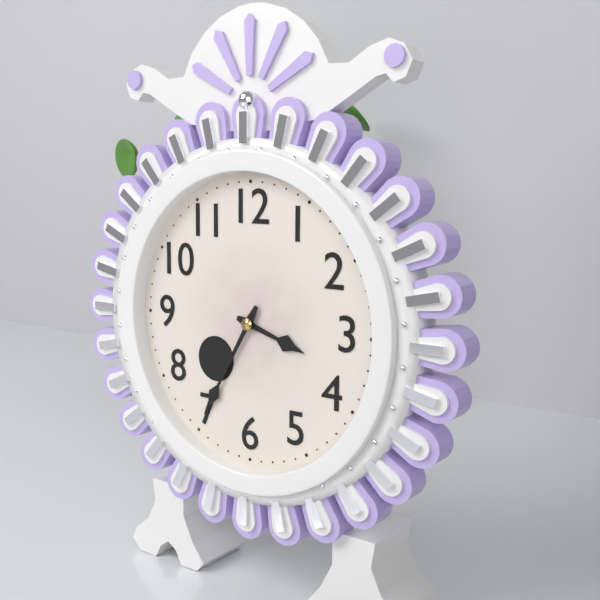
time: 3:35
